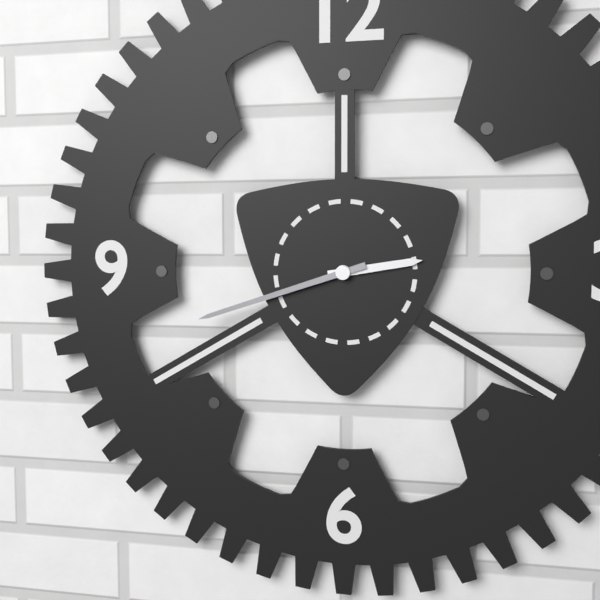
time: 2:42
